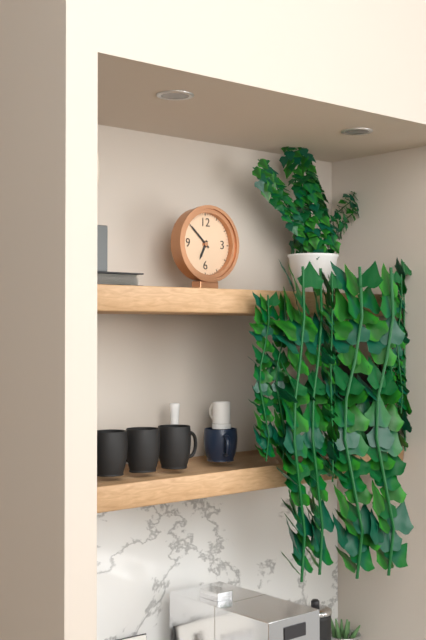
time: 6:52
